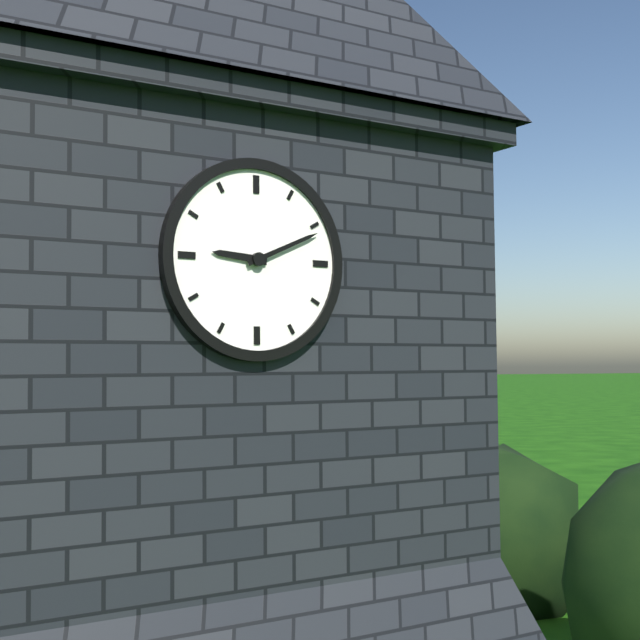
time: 9:11
